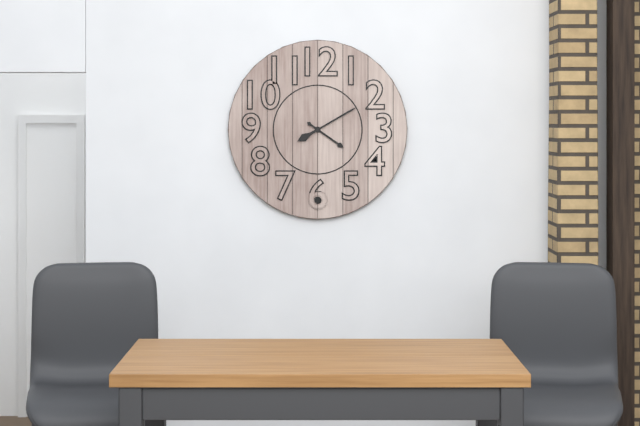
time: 4:10
